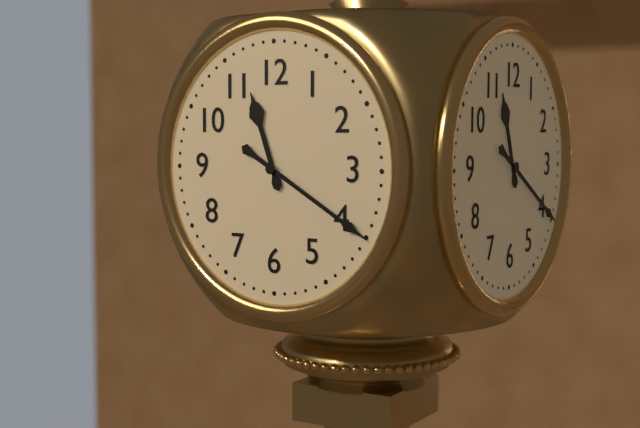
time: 11:20
